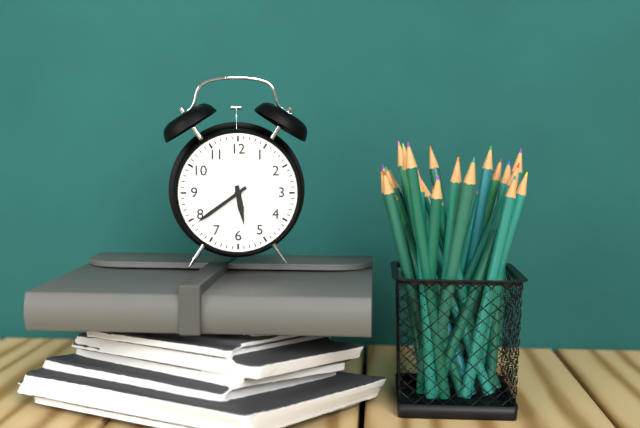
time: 5:39
